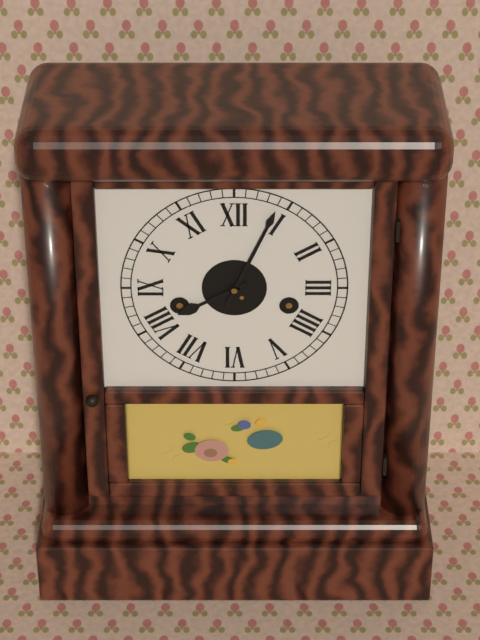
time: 8:04
